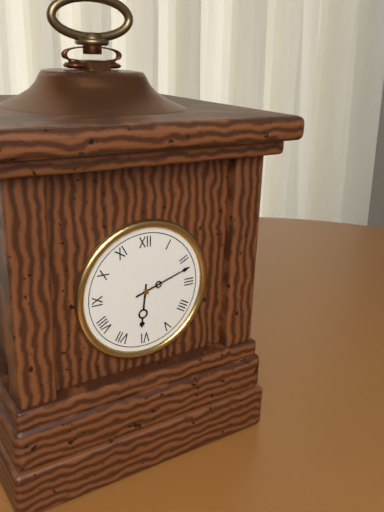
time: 6:12
